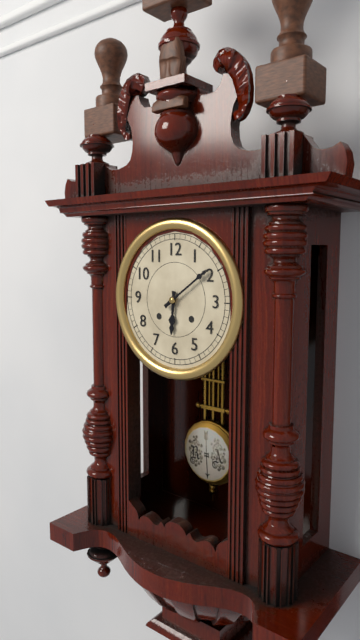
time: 6:09
